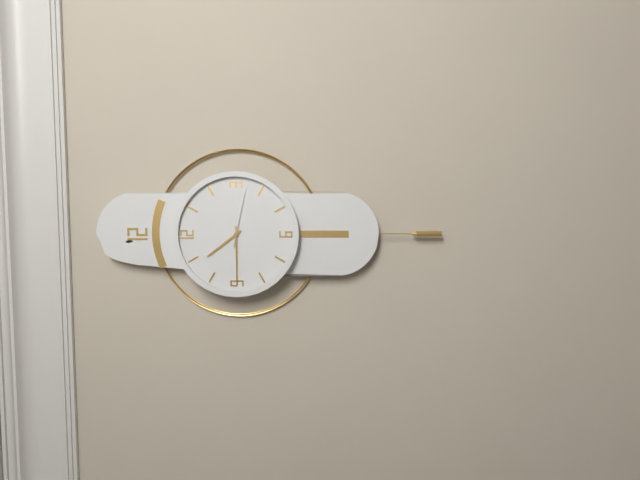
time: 10:45:17
